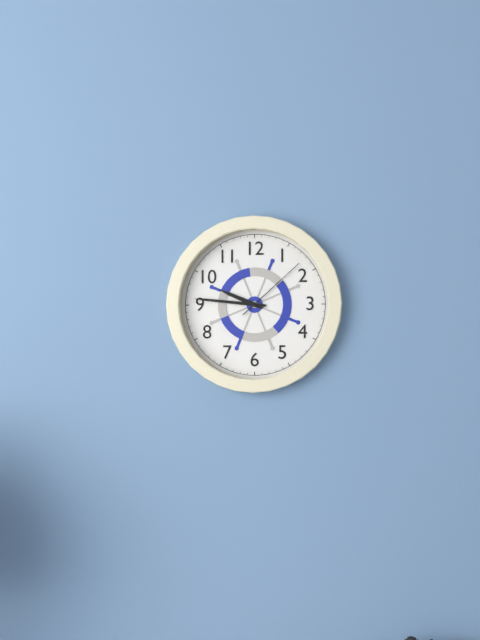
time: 9:46:08
